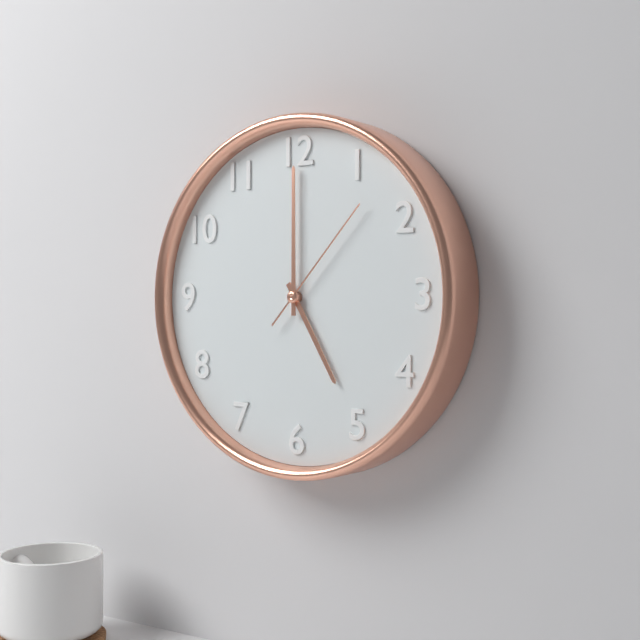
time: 5:00:07
